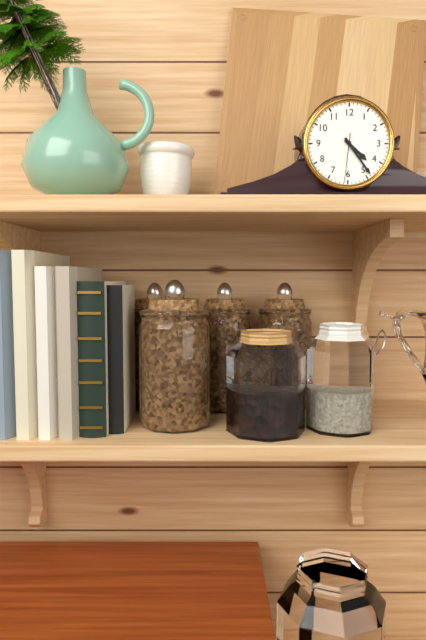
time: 4:24
